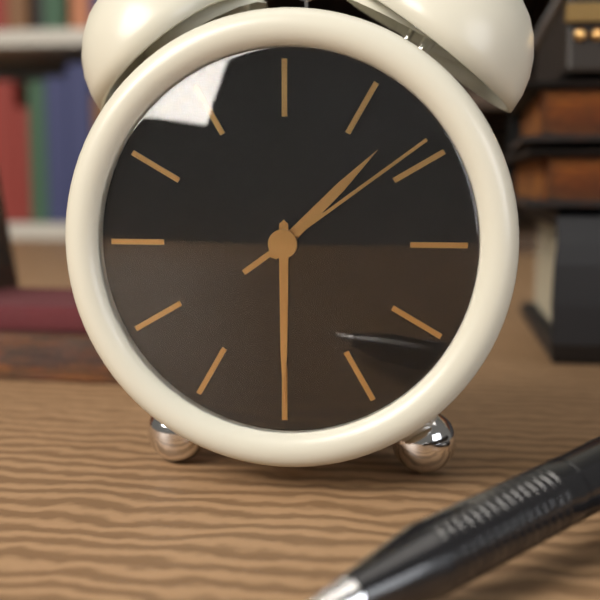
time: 1:30:09
